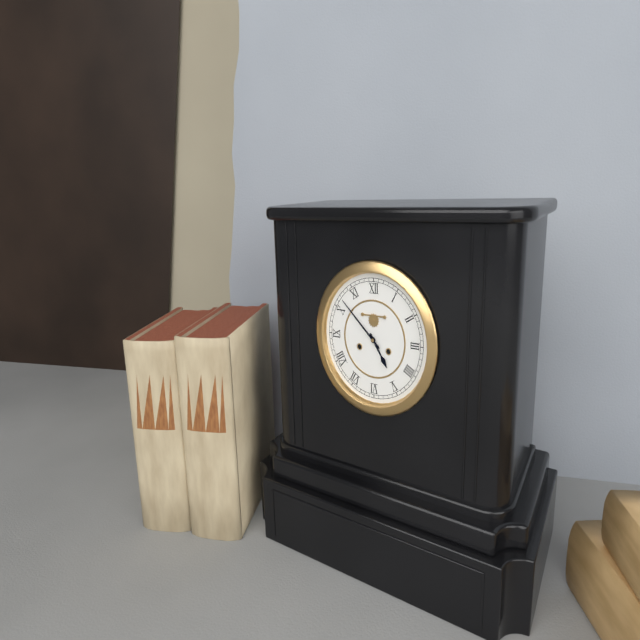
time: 4:52
